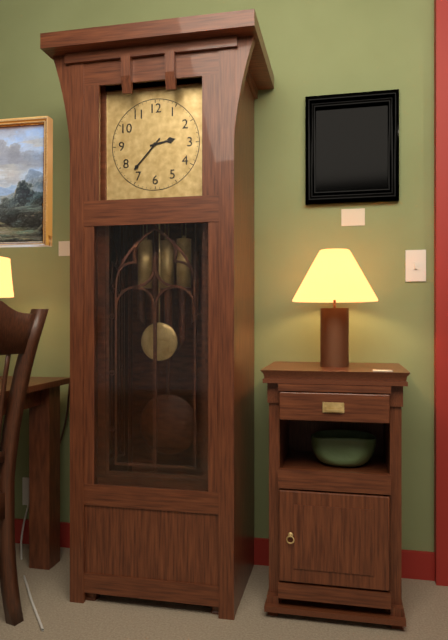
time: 2:37
